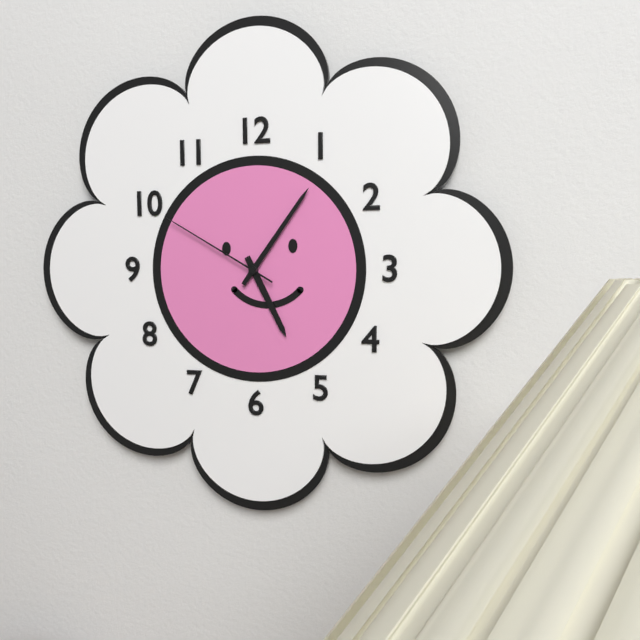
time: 5:06:50
